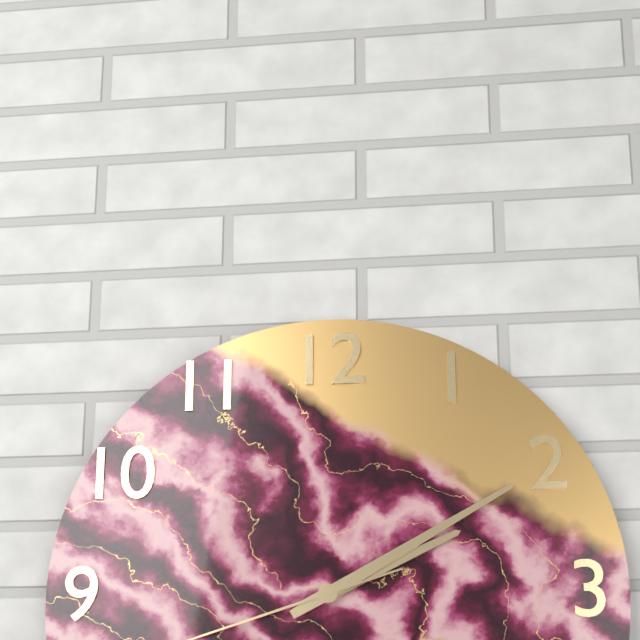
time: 2:10
